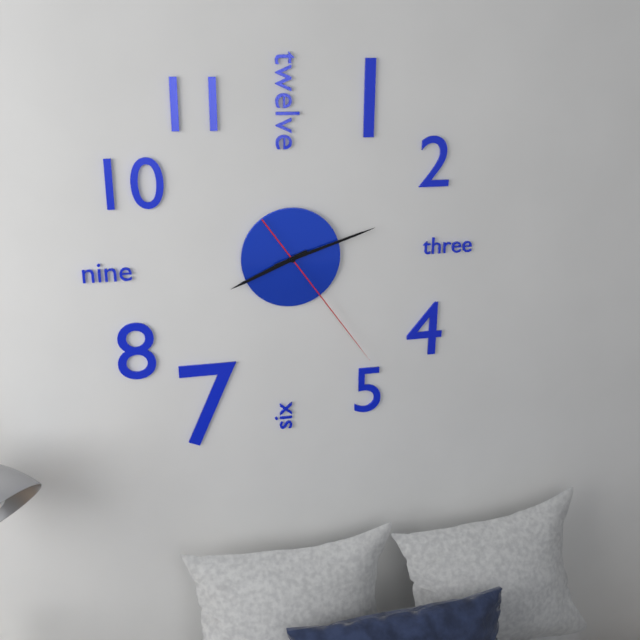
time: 8:12:24
